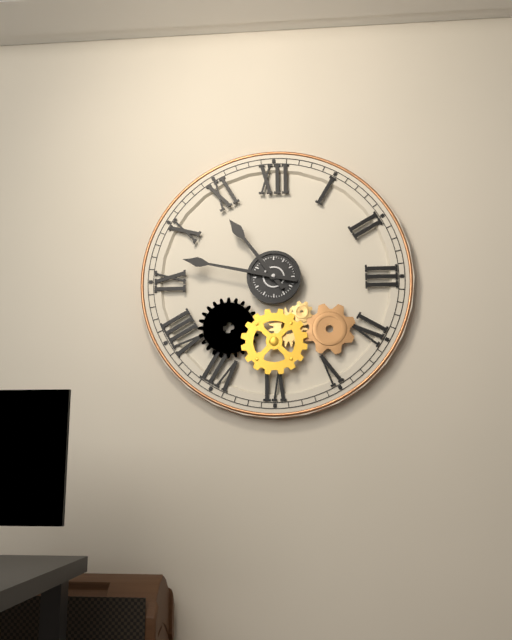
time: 10:47
